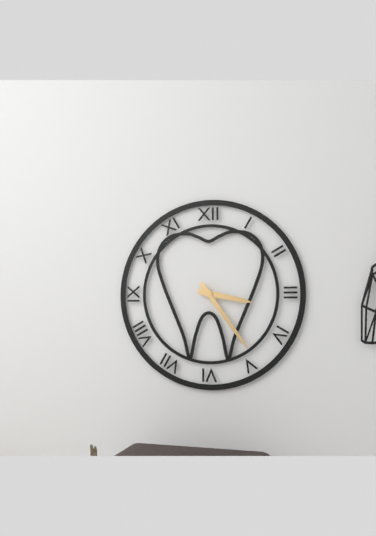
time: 3:24
